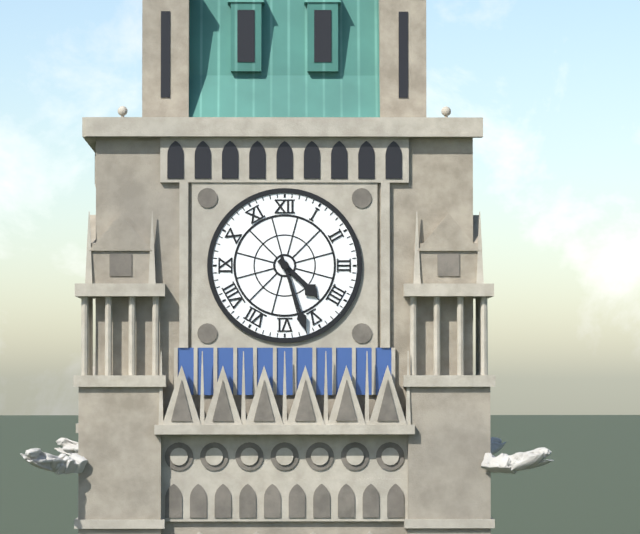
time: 4:27
